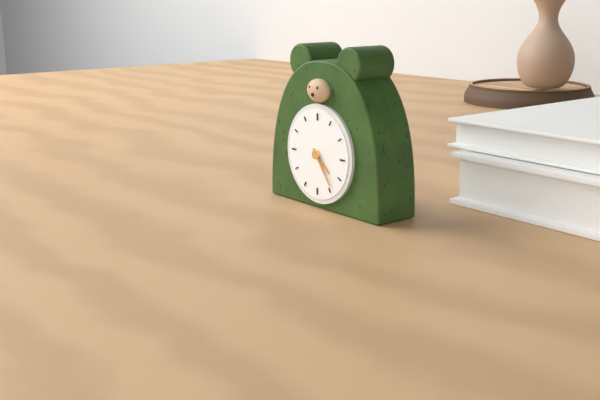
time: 4:24
